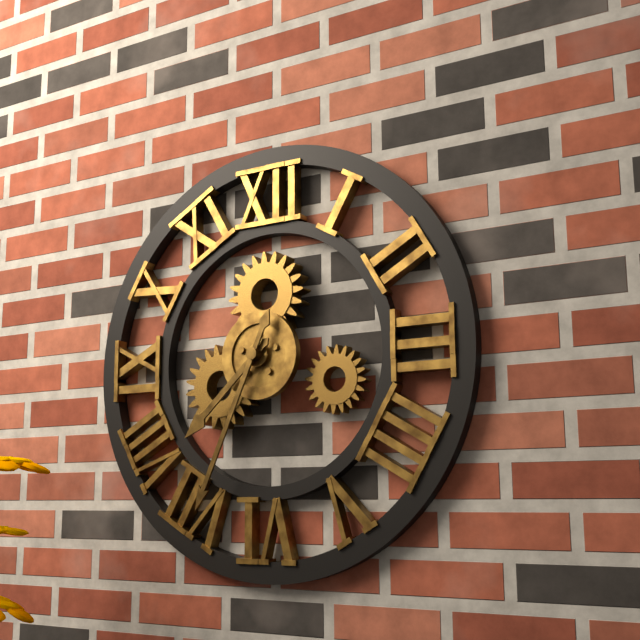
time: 7:34
